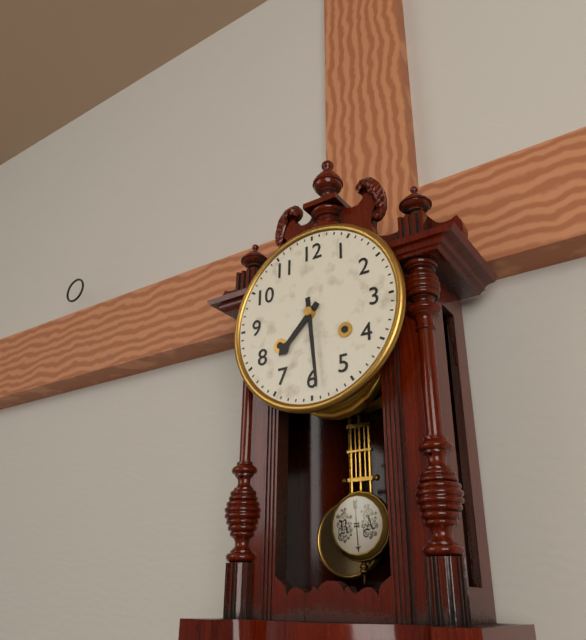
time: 7:29
